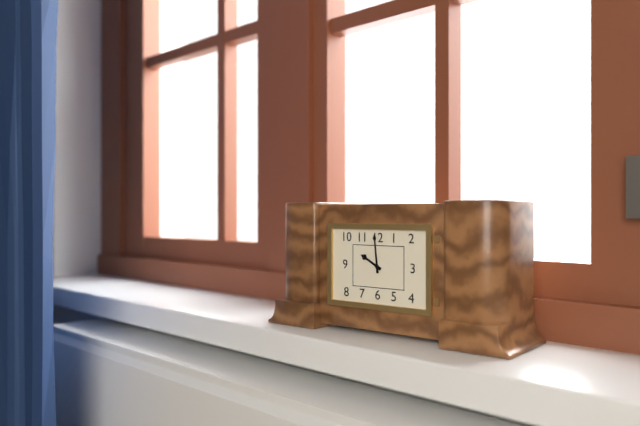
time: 9:59
